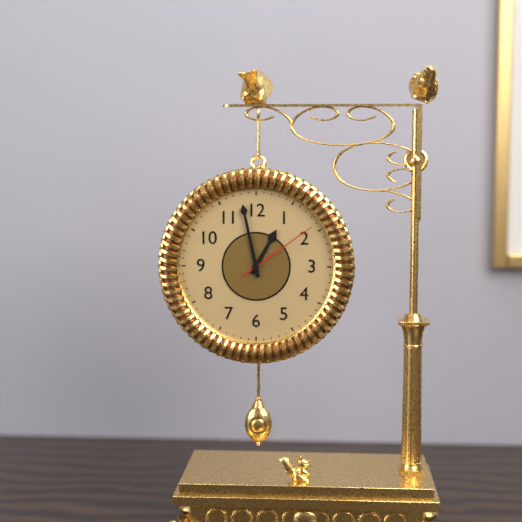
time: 12:58:09
